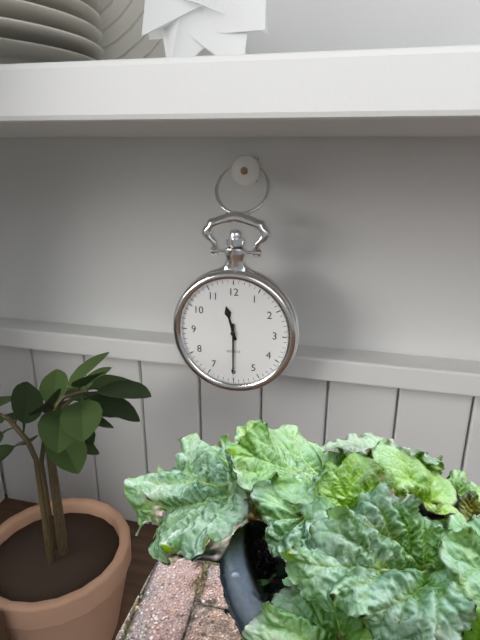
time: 11:30
